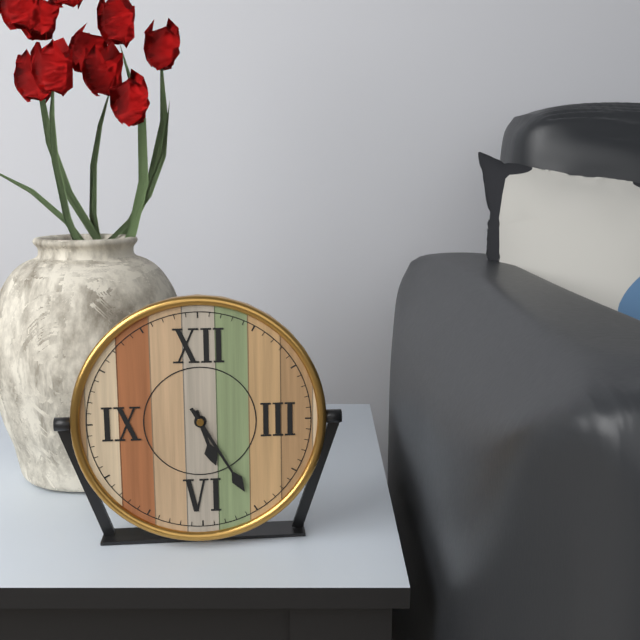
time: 5:25
